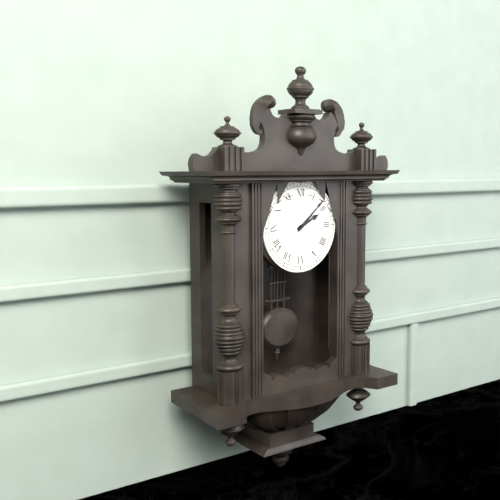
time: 2:08
